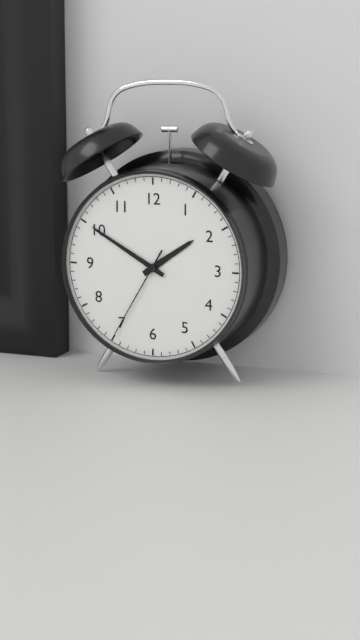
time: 1:50:35
